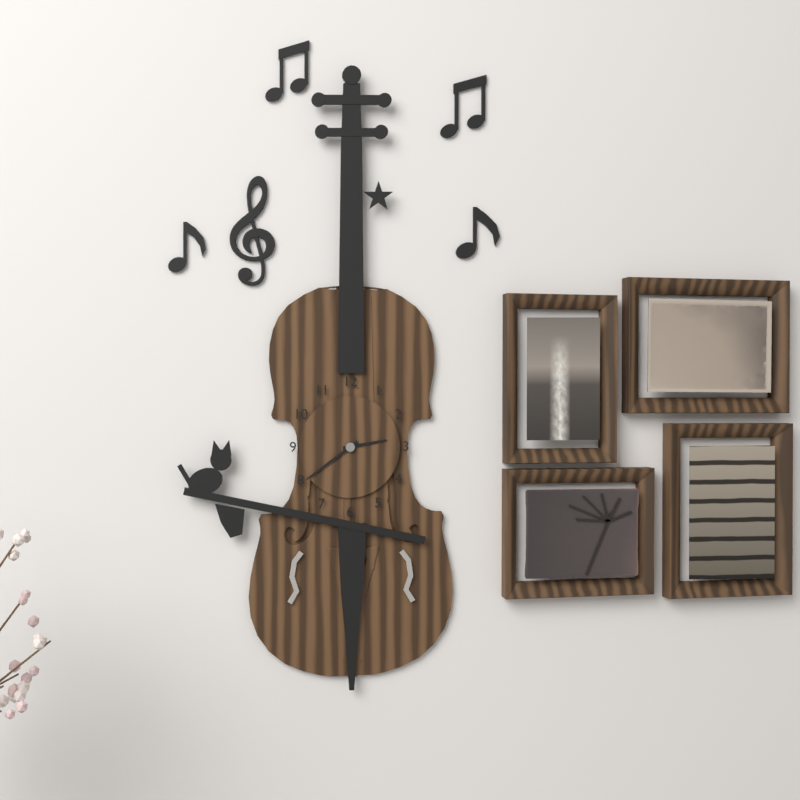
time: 2:39
